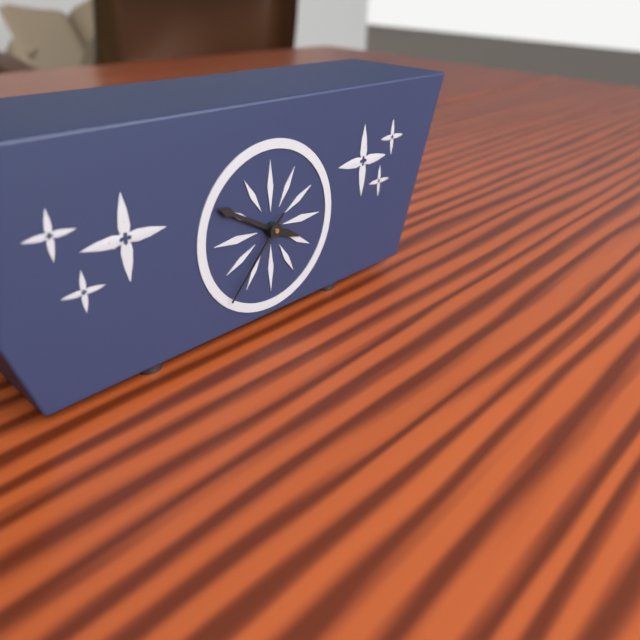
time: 3:50:37
